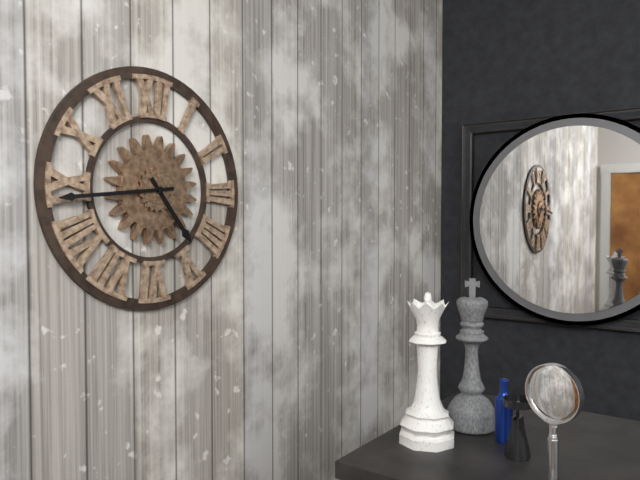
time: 4:44
